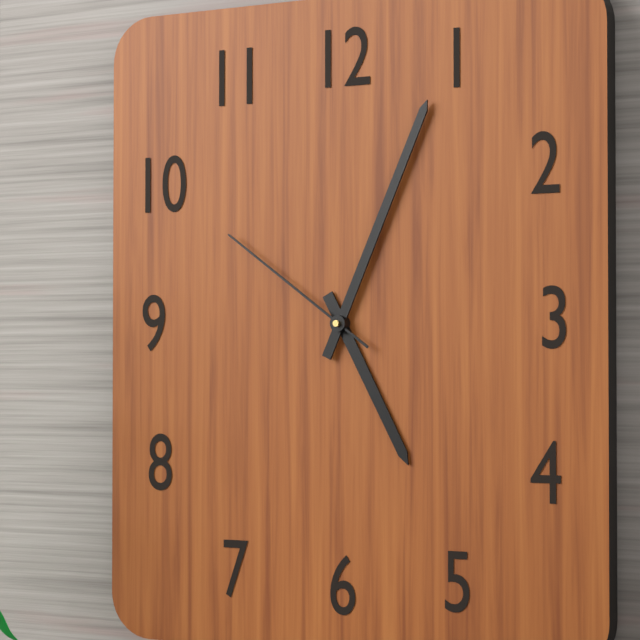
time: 5:04:51
